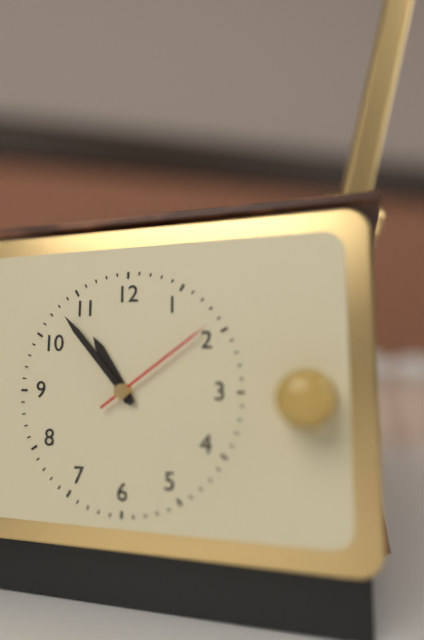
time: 10:53:09
